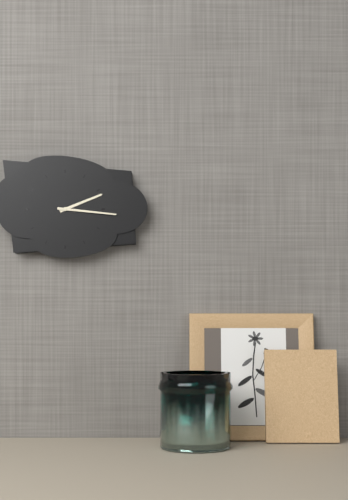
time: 2:16
